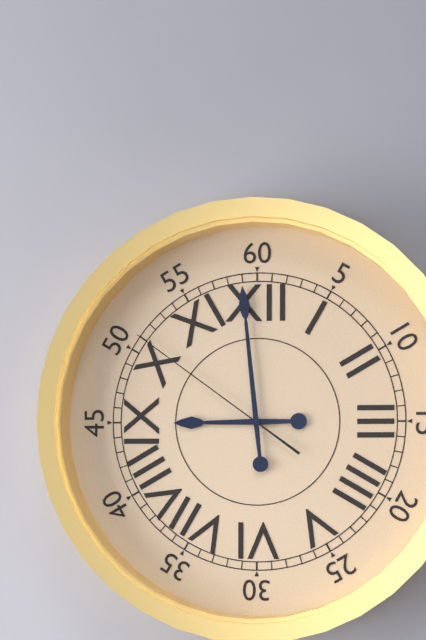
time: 8:59:51
